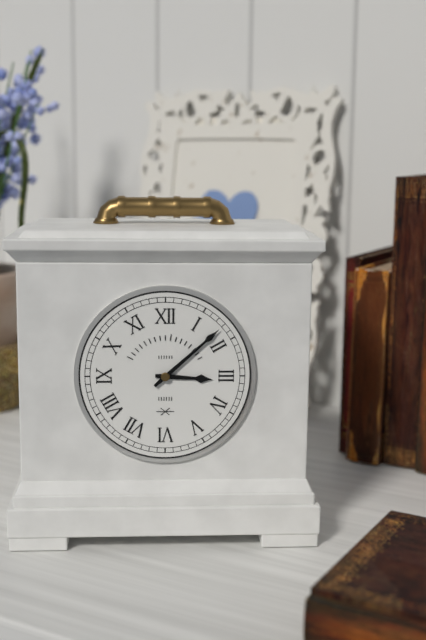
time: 3:08
